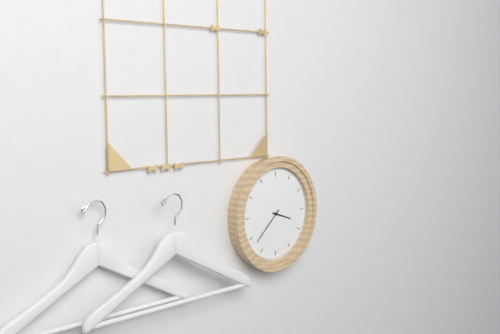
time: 3:38
